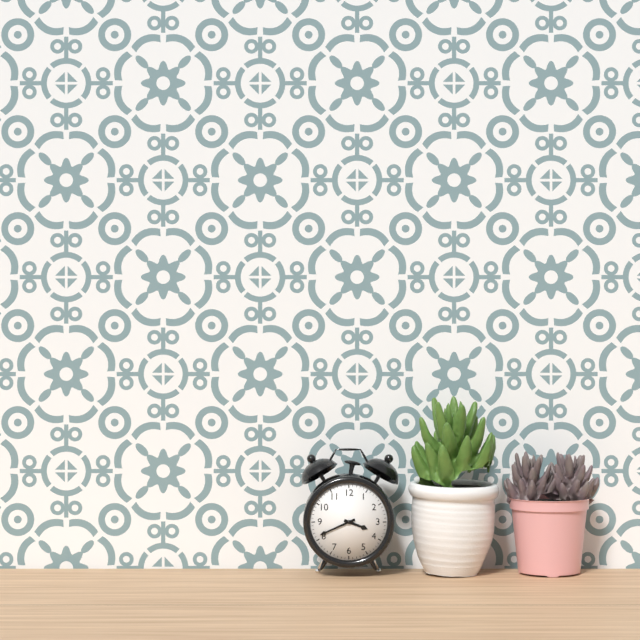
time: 3:41
